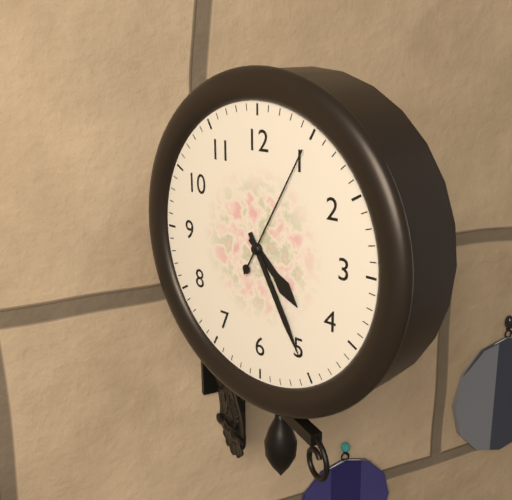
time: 4:25:05
